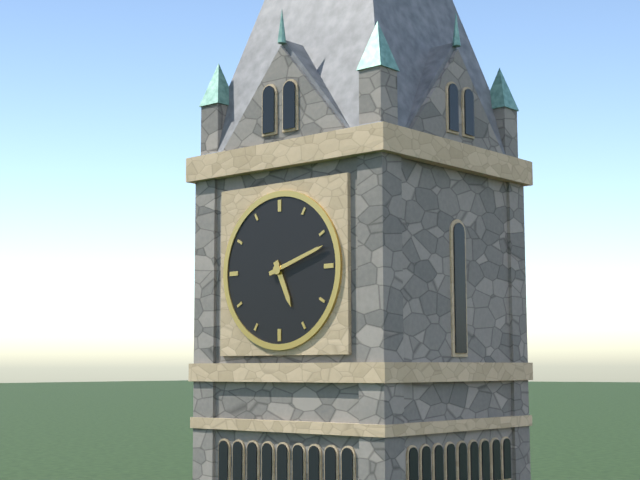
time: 5:12
